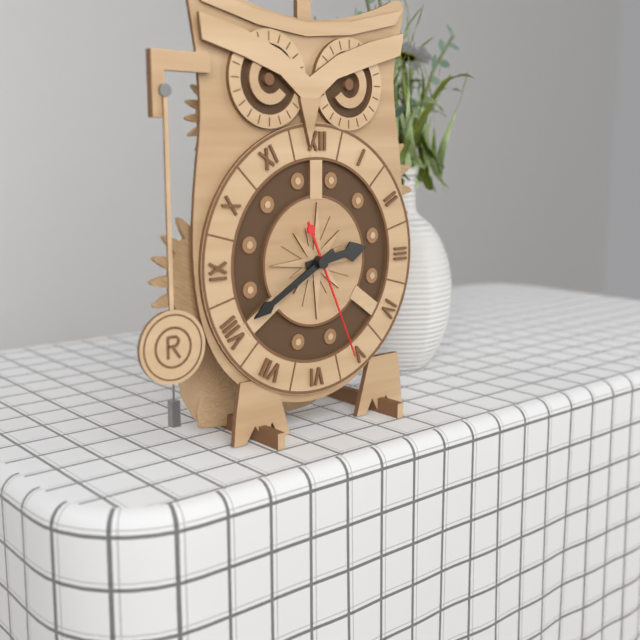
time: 2:40:26
